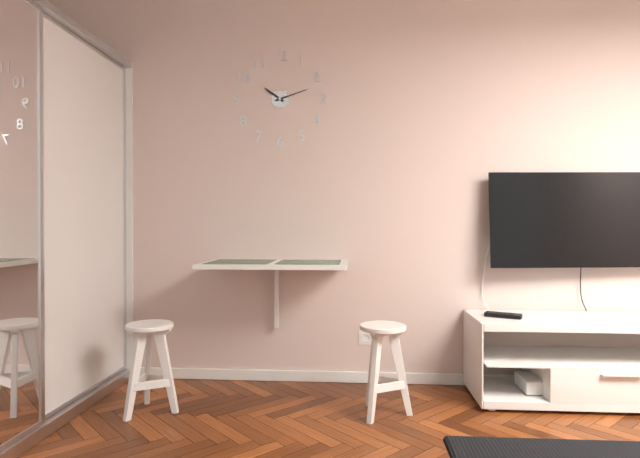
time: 10:12
